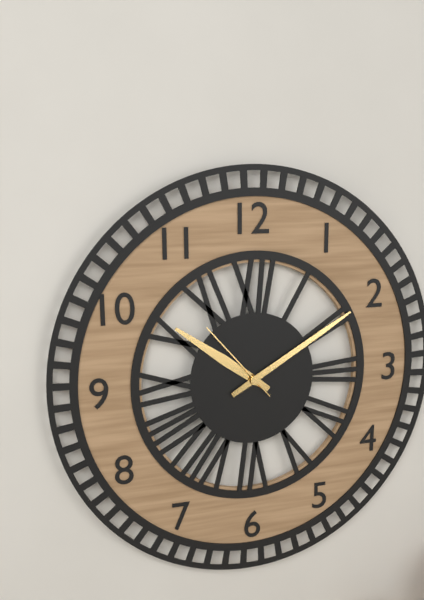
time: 10:10:53
